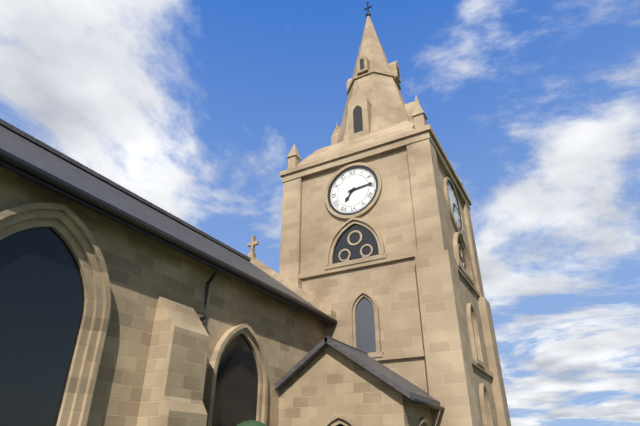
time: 7:14
